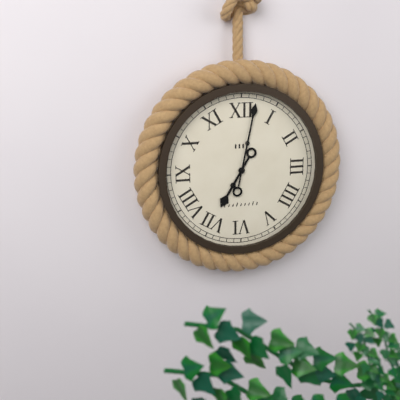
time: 7:02
